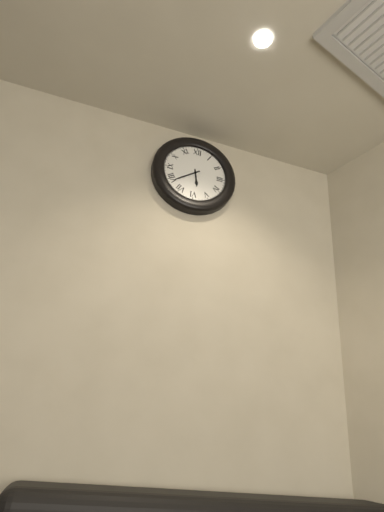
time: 5:39
